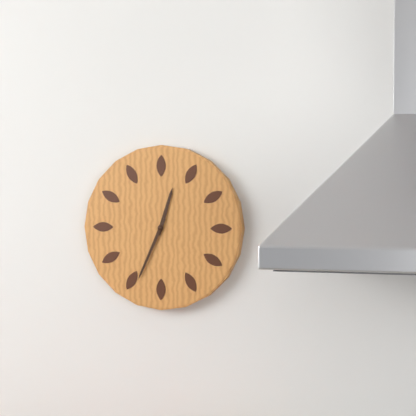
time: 12:34
